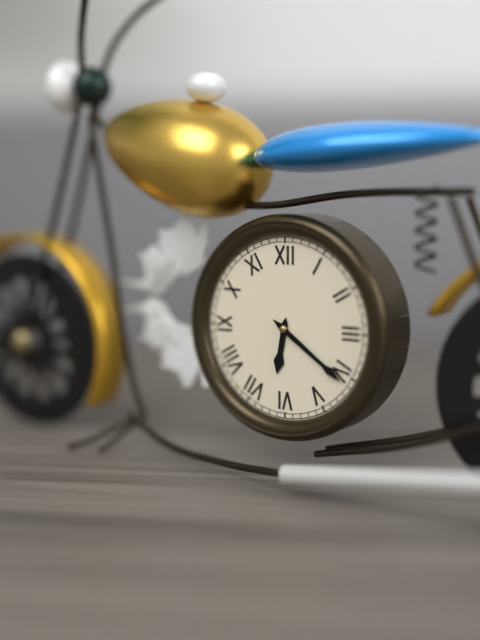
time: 6:21
